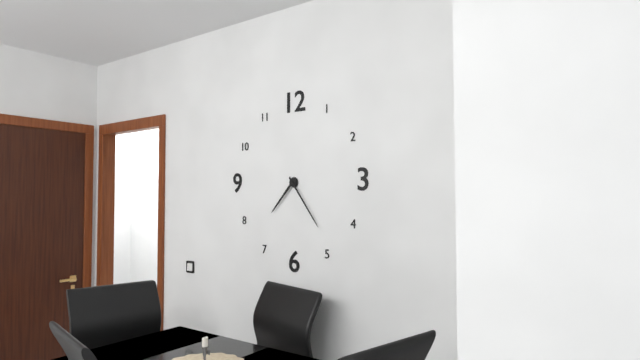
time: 7:24
